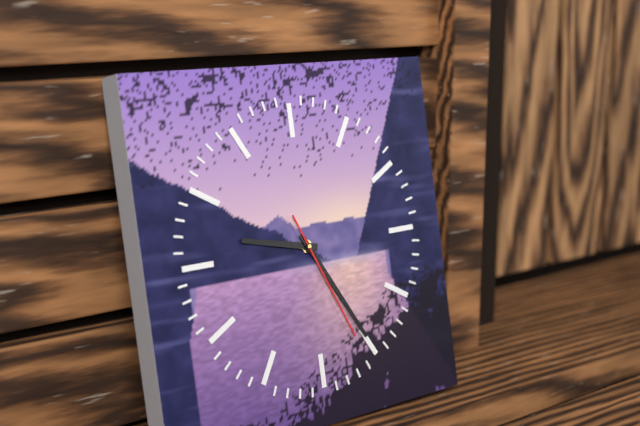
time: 9:25:26
